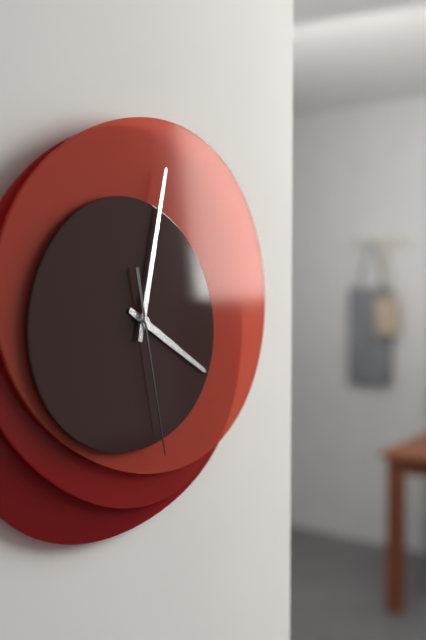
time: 4:02:28
